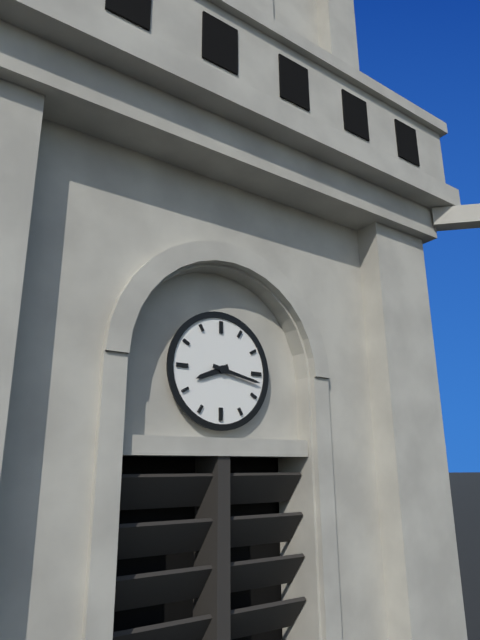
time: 8:17
